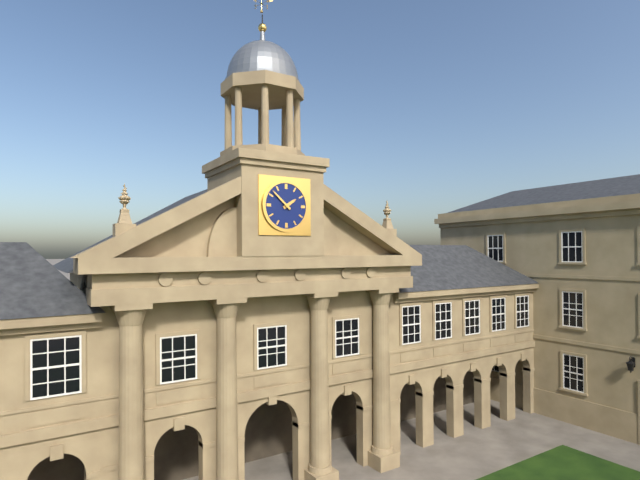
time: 1:52
